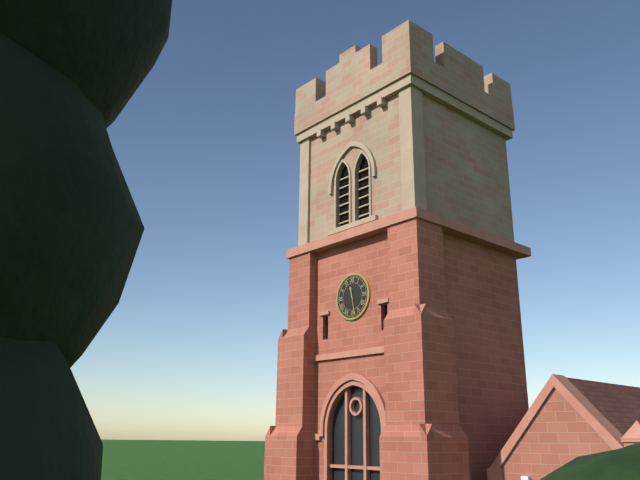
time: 11:28
